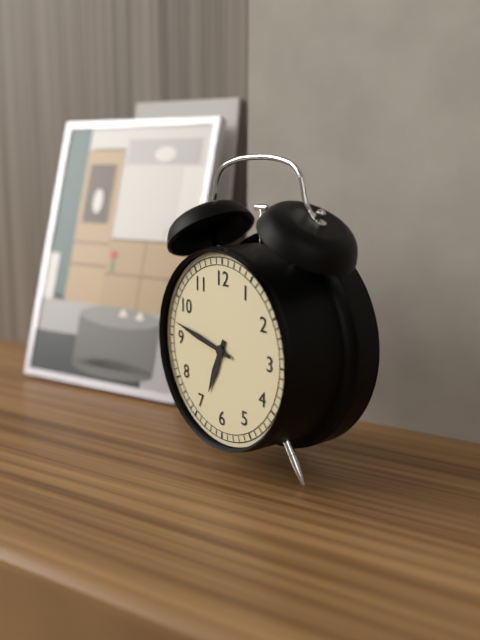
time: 6:47
